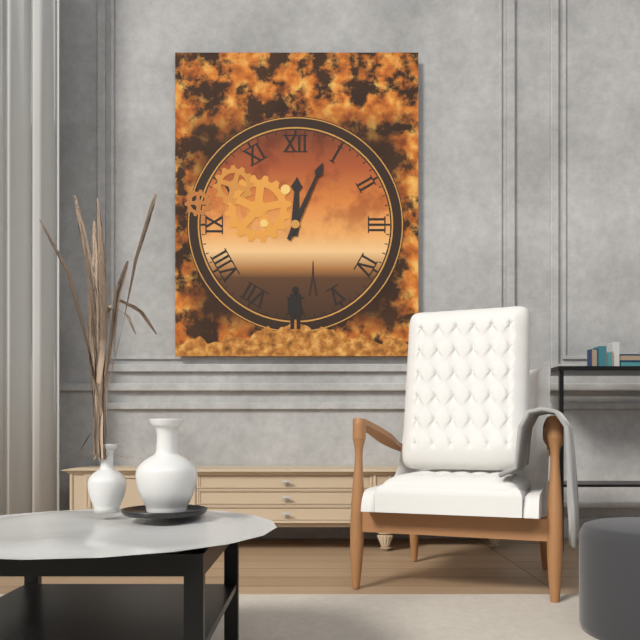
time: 12:04
